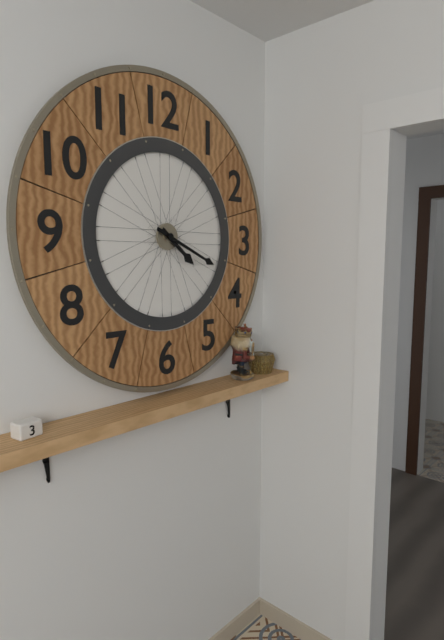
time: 4:19
